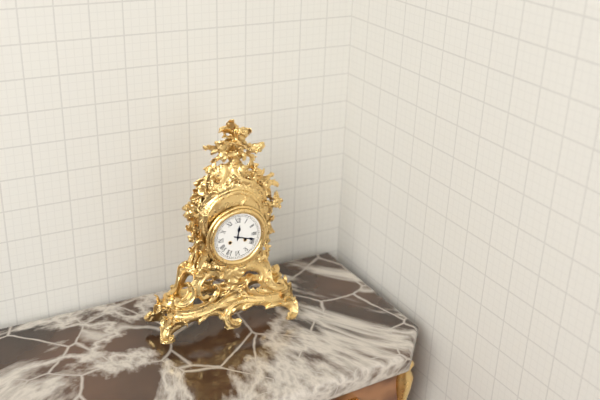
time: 12:18
